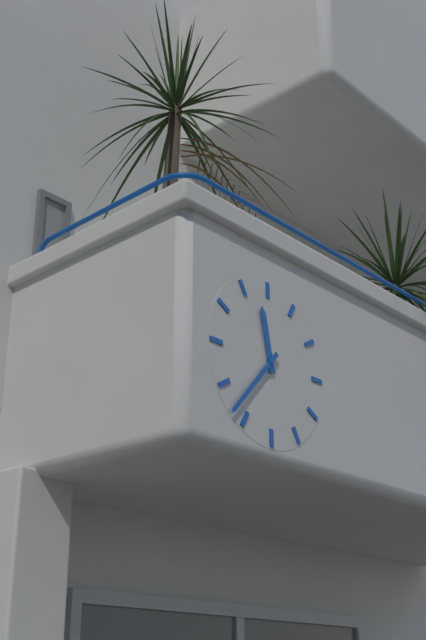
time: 11:37
